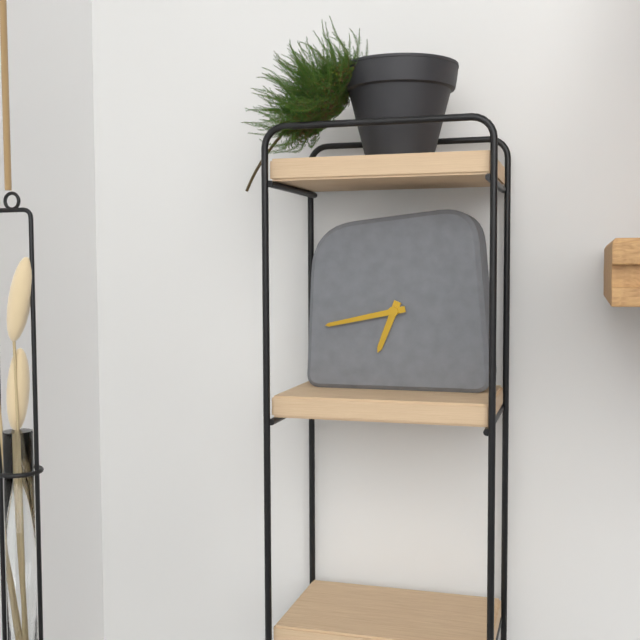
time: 6:43
